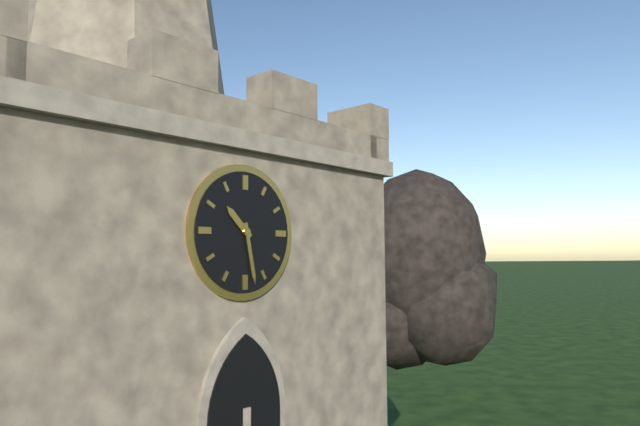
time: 10:28
